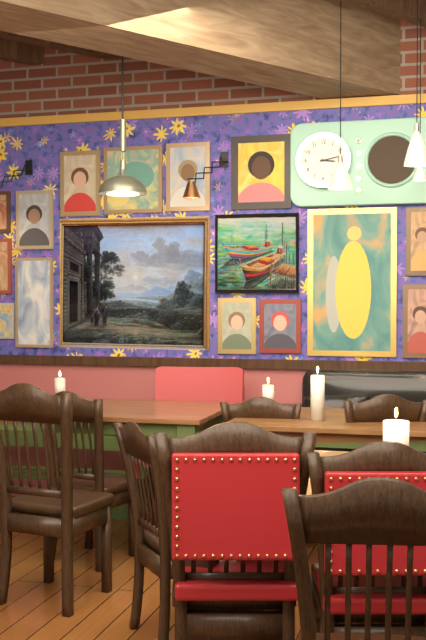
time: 3:13
